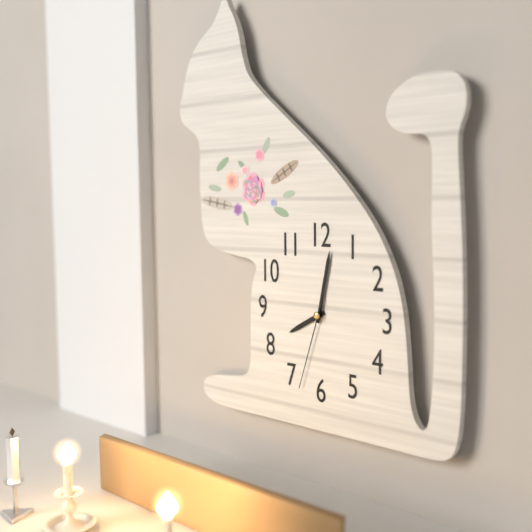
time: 8:02:33
